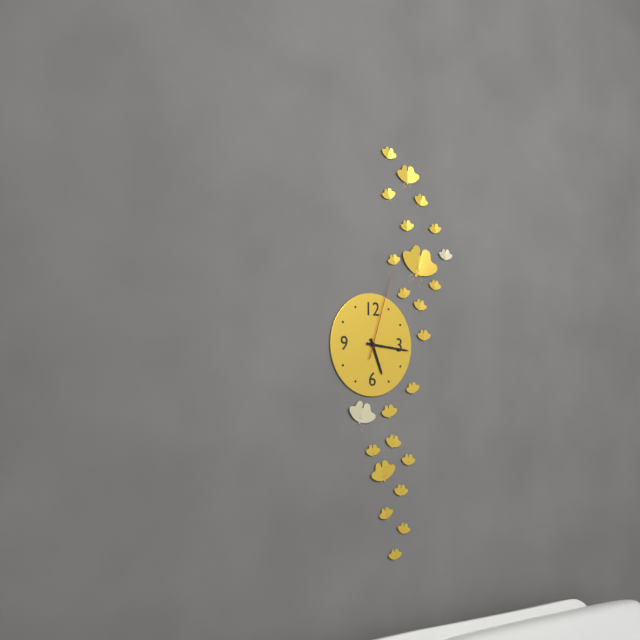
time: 5:16:03
